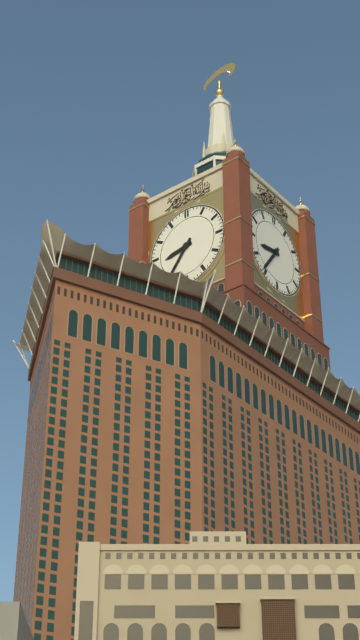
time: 8:36
